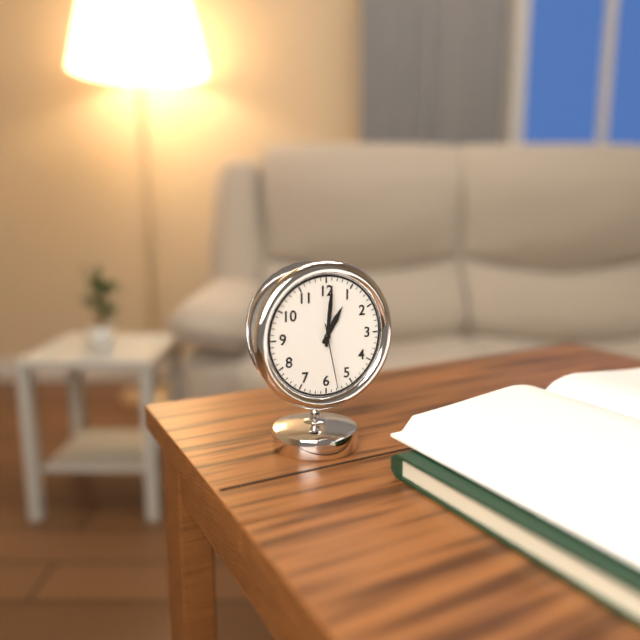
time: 1:01:28
